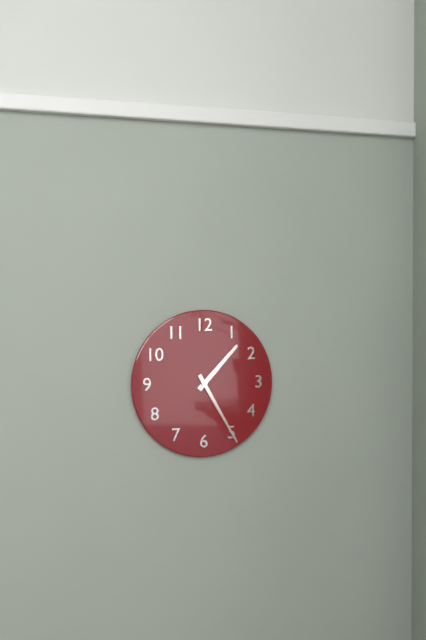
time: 1:25
